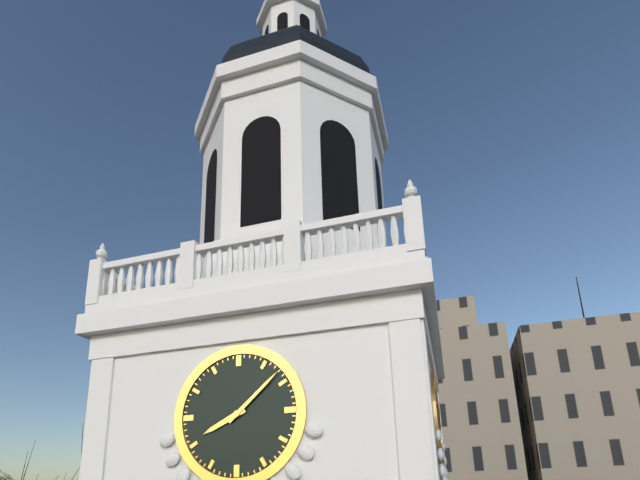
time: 8:08
